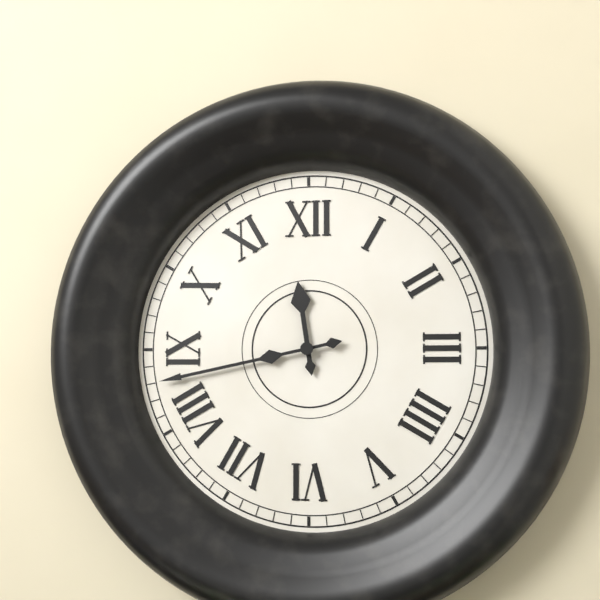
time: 11:43
